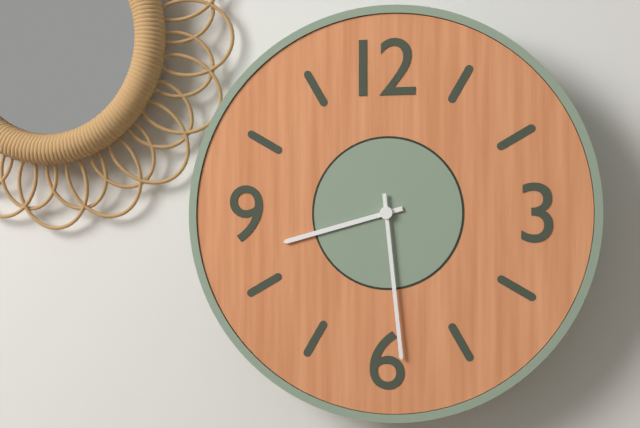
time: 8:29
